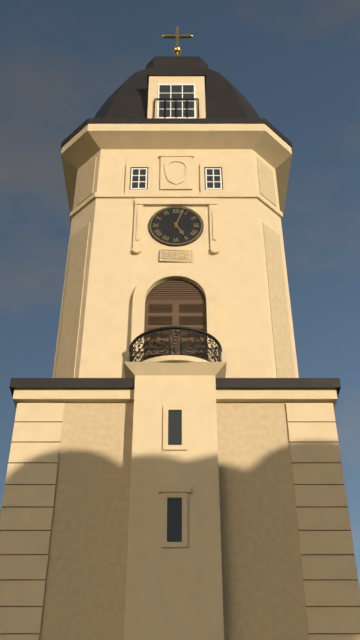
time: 5:03
